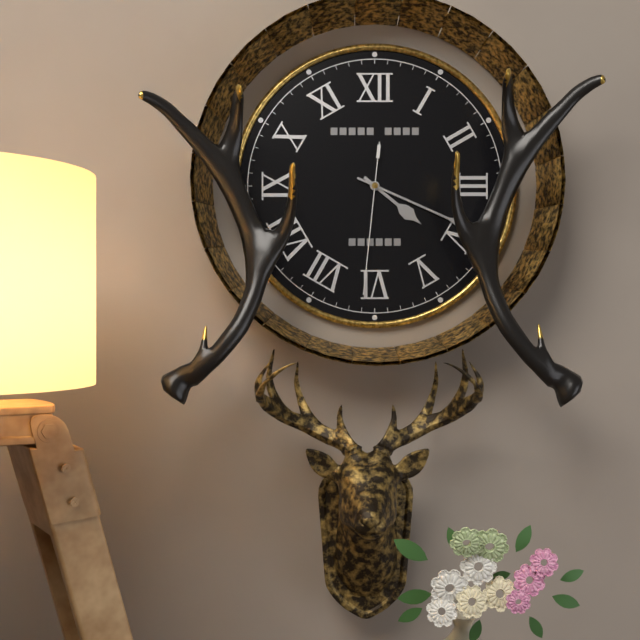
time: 4:19:31
